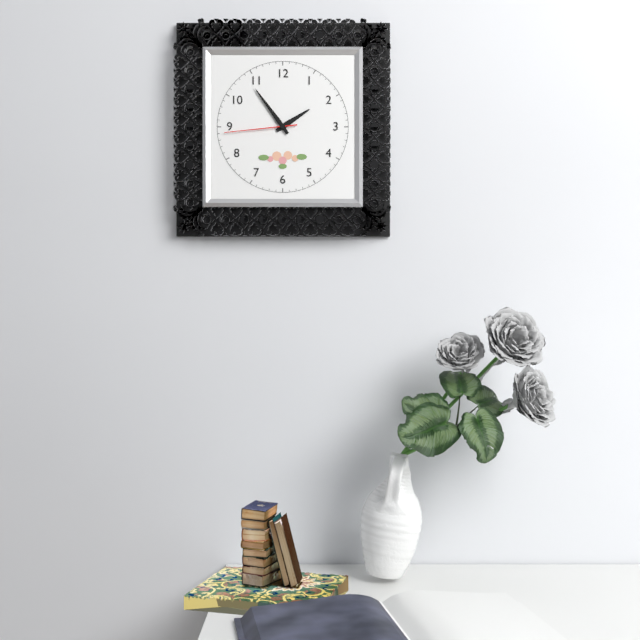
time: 1:54:44
